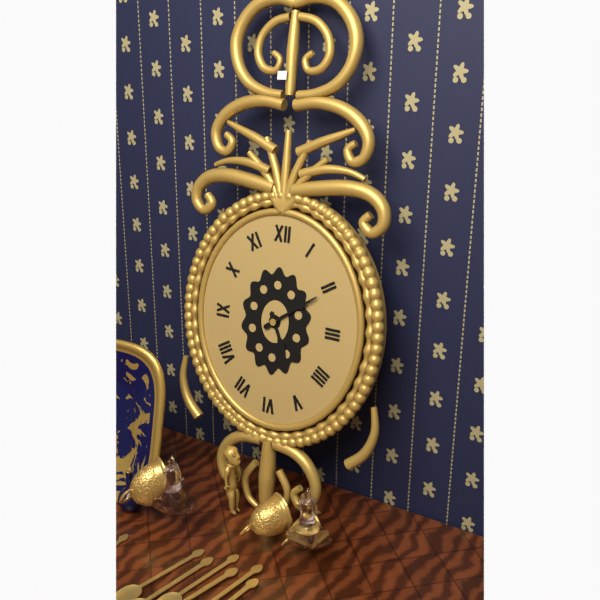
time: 5:09
